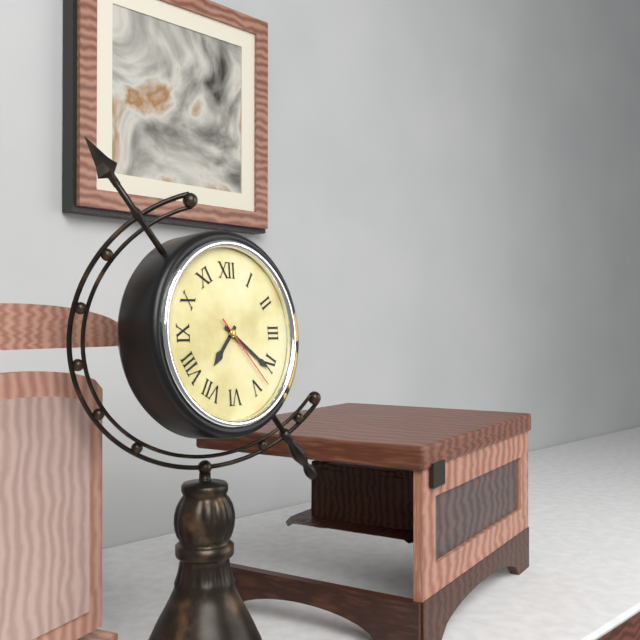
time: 7:21:23
